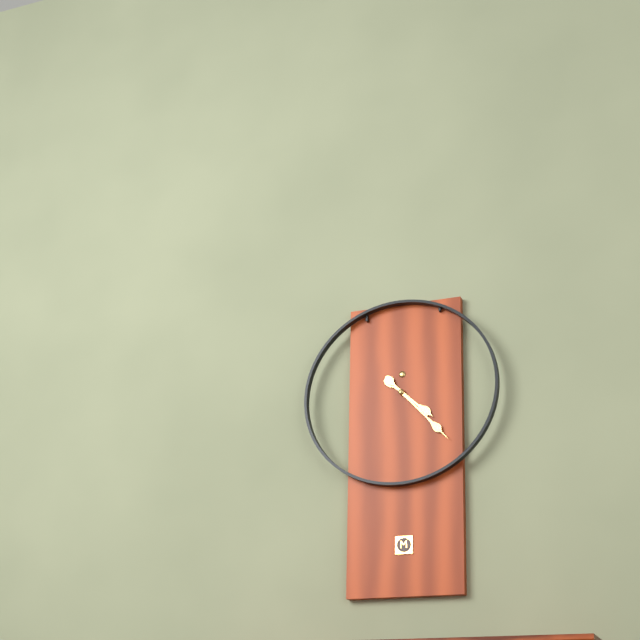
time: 4:23
